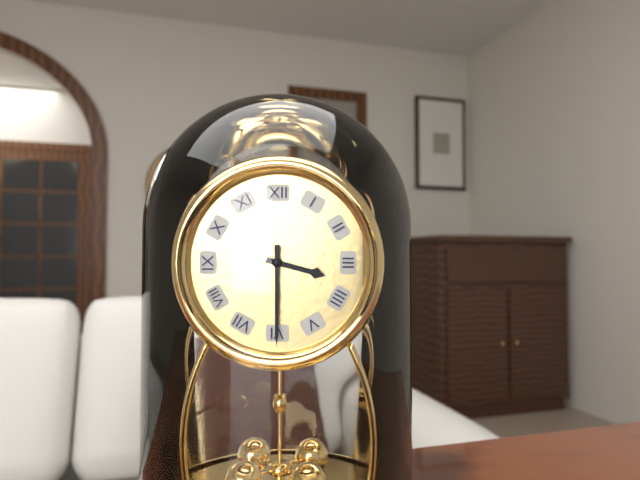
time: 3:30
